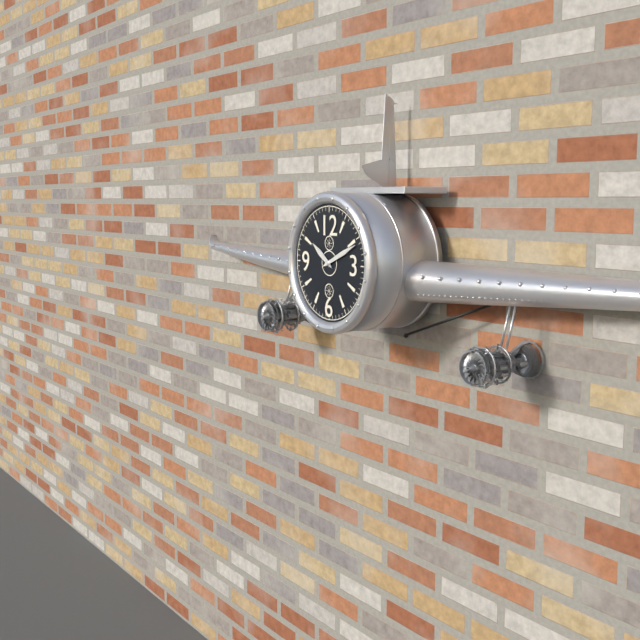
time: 10:11
